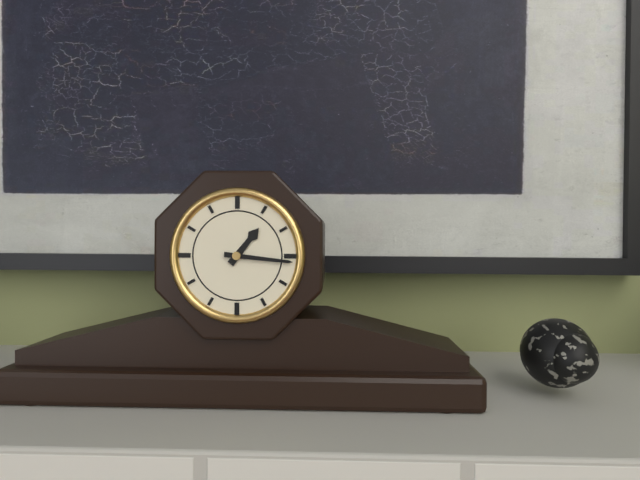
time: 1:16
